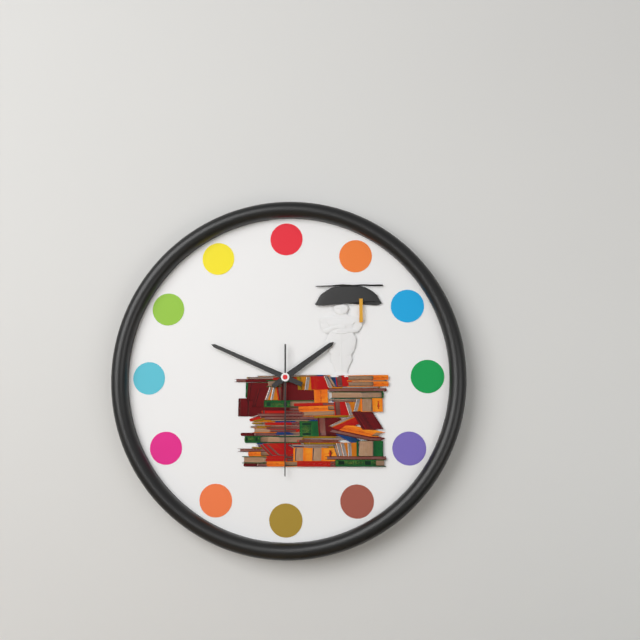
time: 1:49:30
